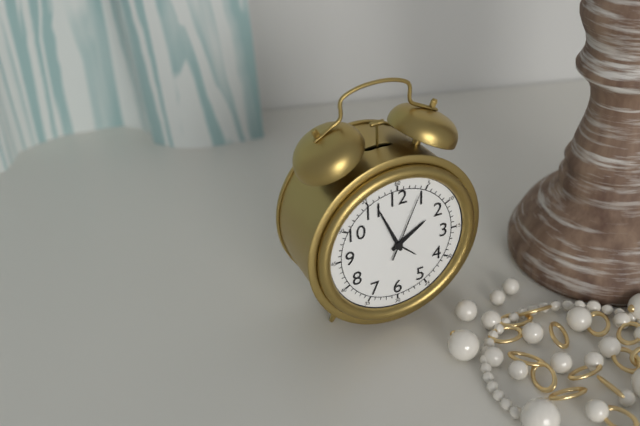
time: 1:56:04
